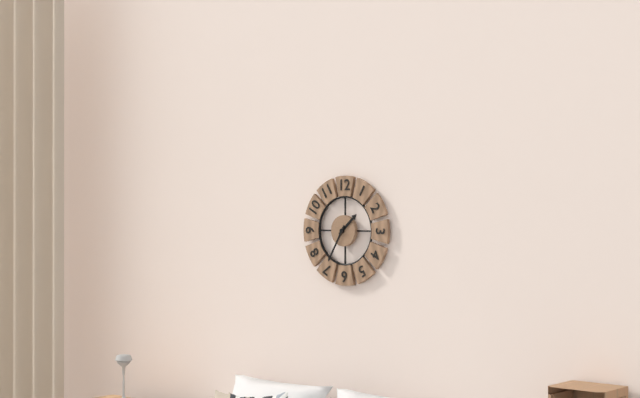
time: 1:35
